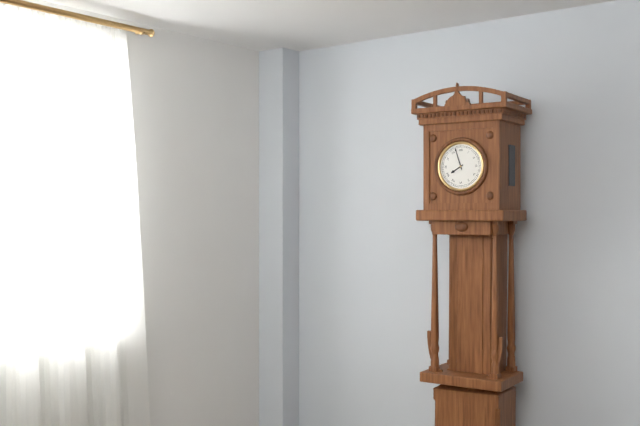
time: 7:57
